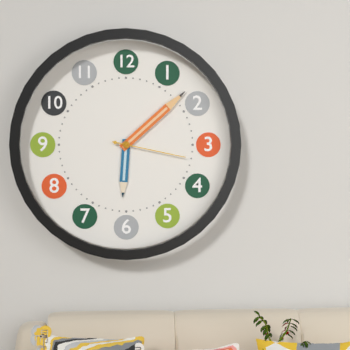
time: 6:08:17
